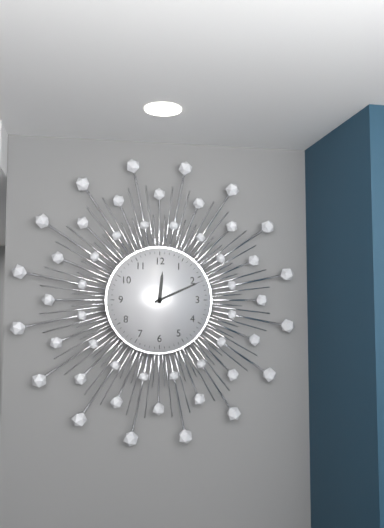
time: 12:11
